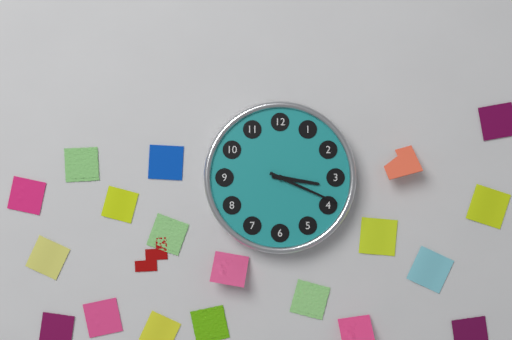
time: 3:19
